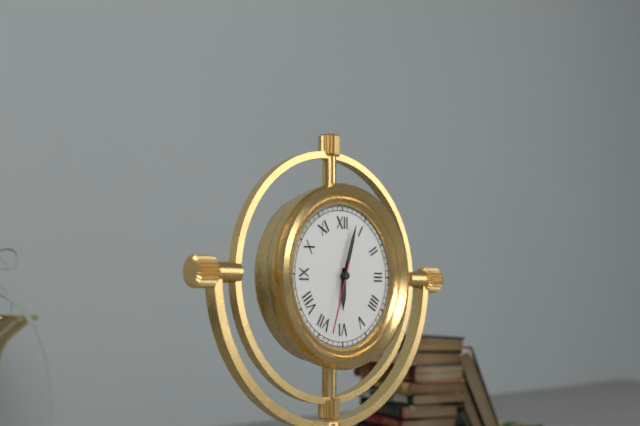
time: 6:03:33
